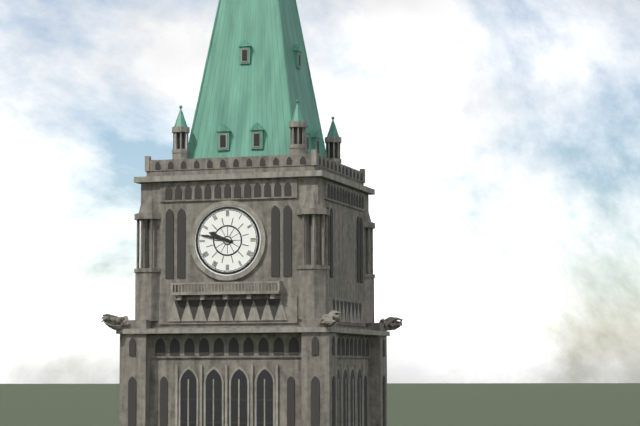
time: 9:47
